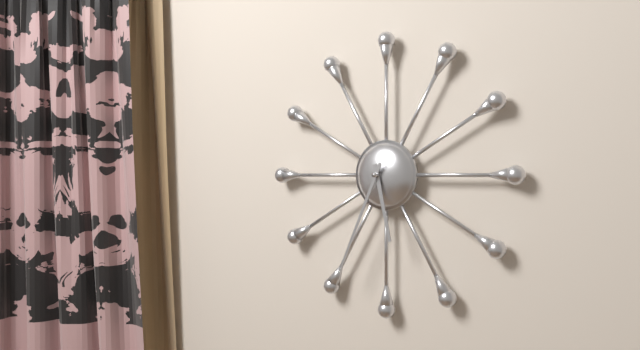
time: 5:34
